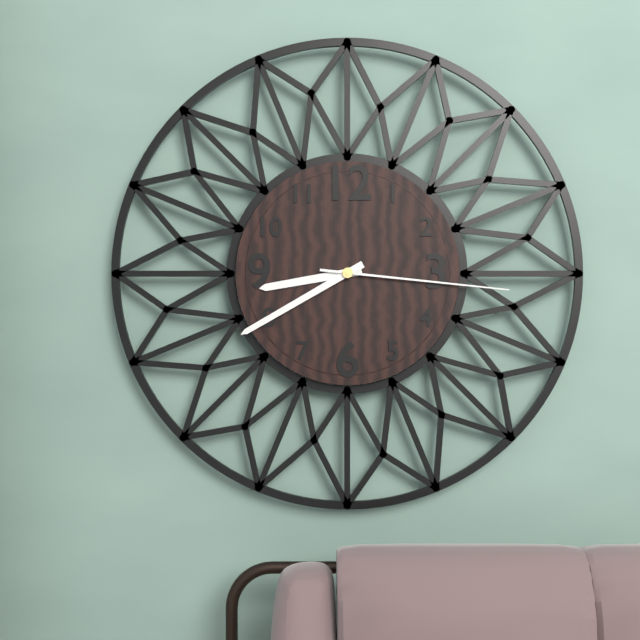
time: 8:40:16
